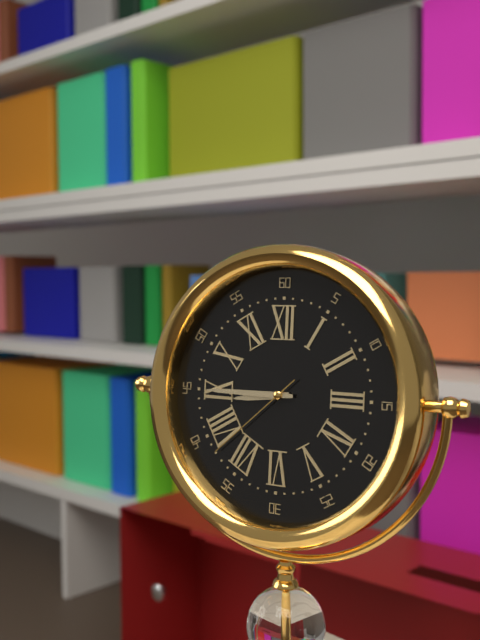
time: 8:45:38
